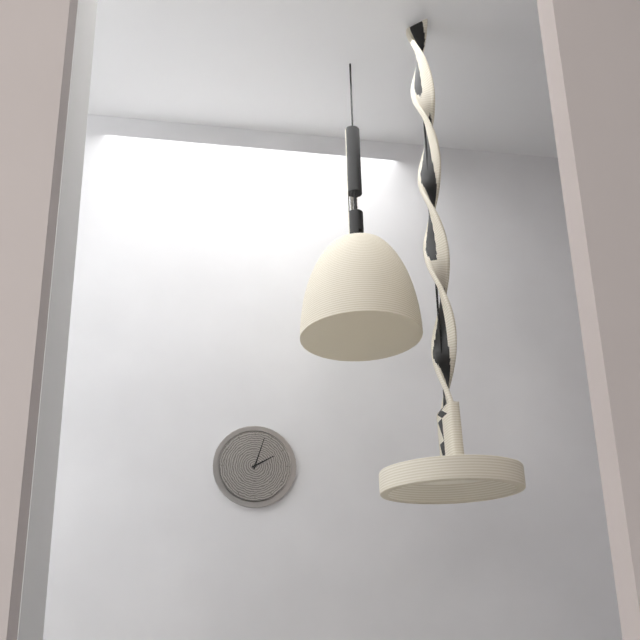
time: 2:03
